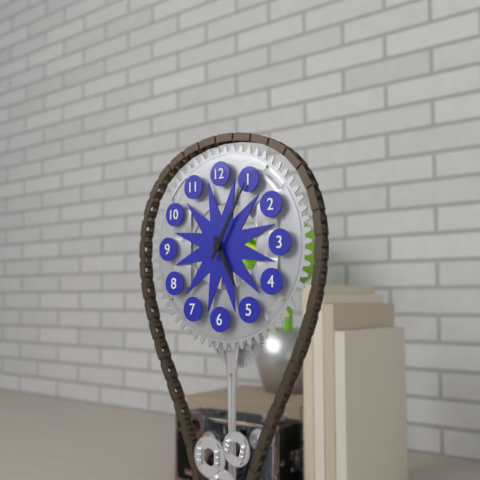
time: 5:05
